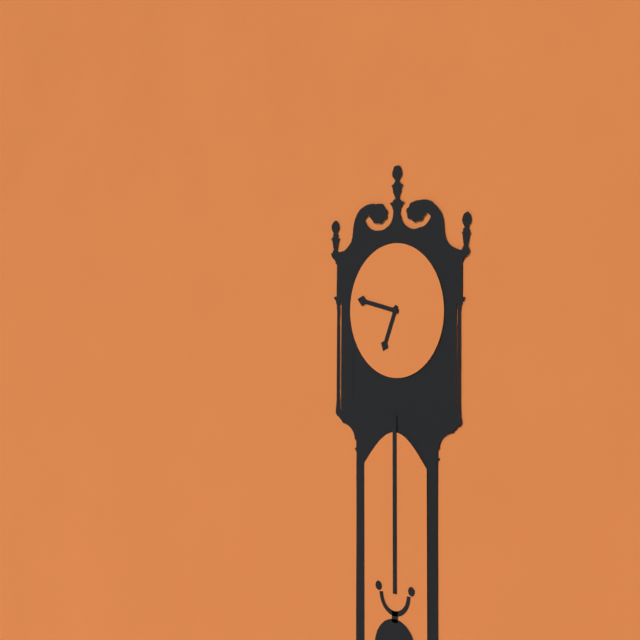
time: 6:47
